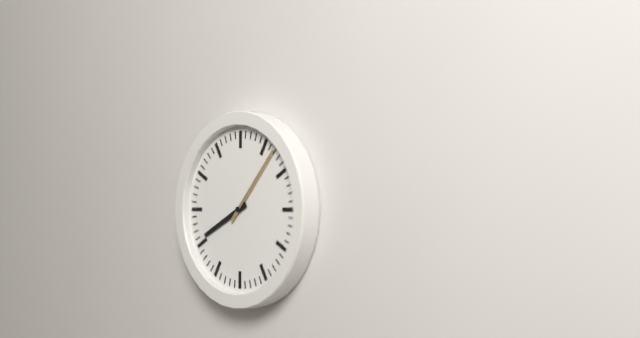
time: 8:07
